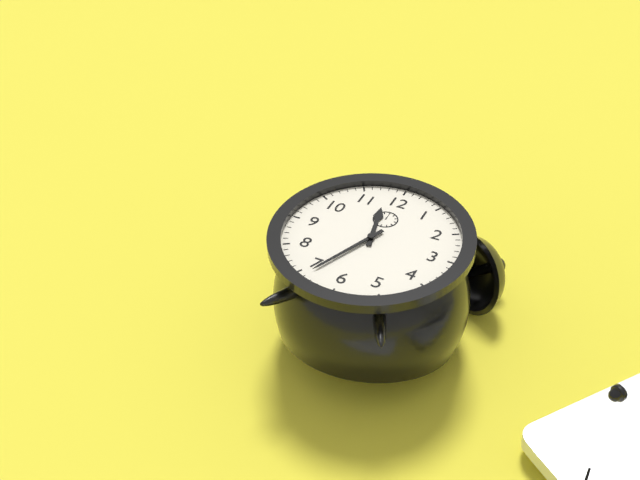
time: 11:34
